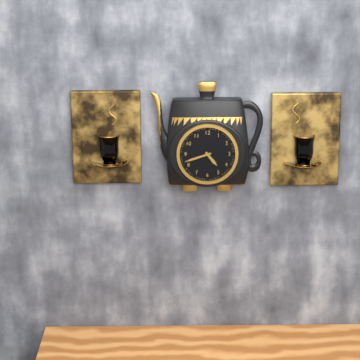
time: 4:42
